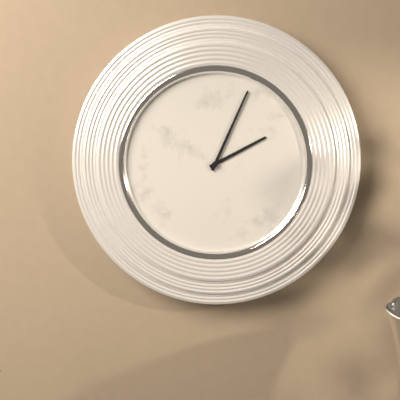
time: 2:04
